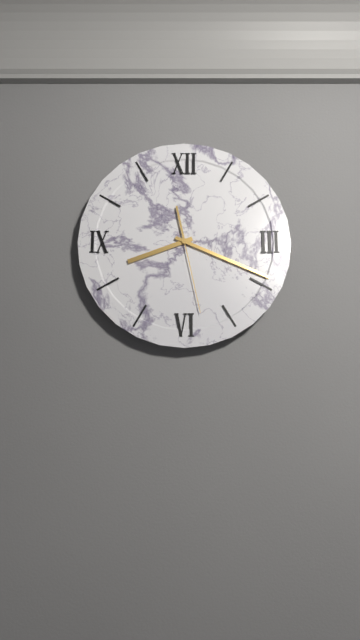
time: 8:19:28
